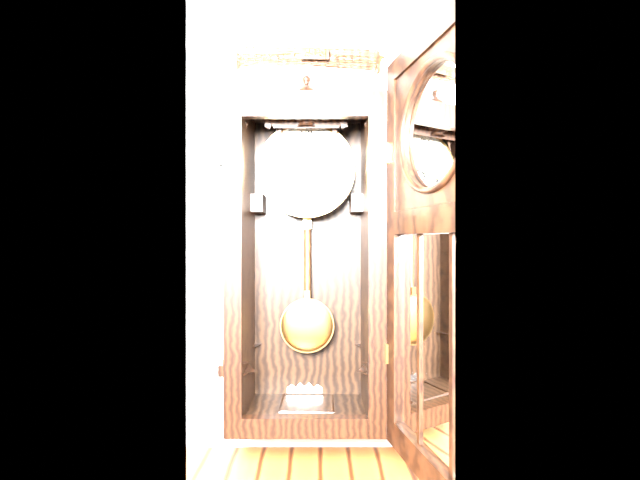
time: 5:12
